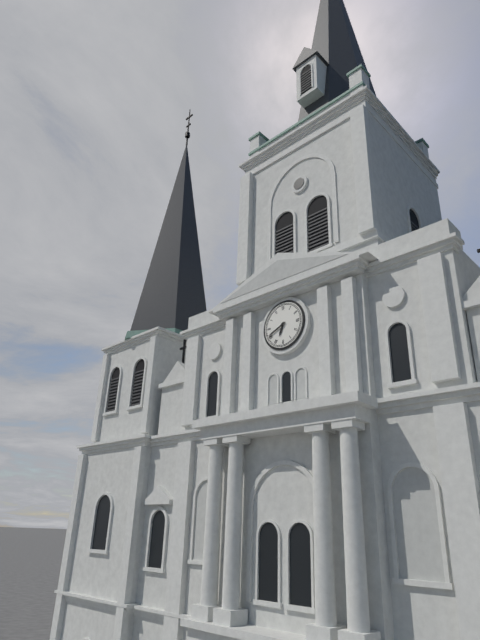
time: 6:41
